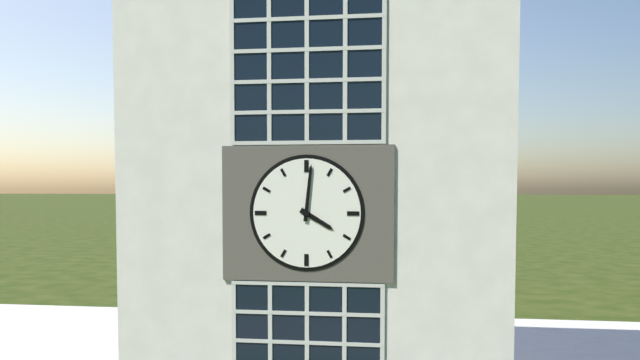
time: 4:01
